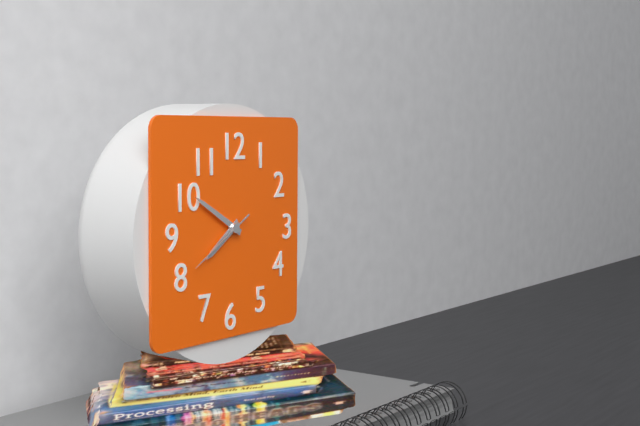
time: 7:50:40
